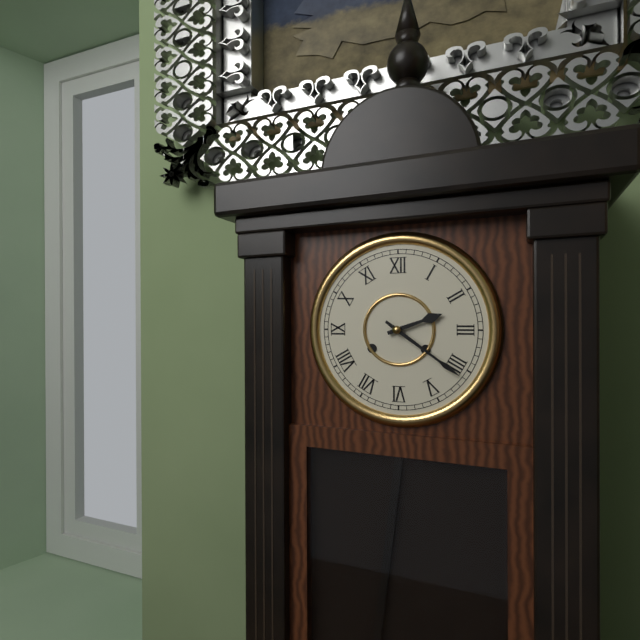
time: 2:21
